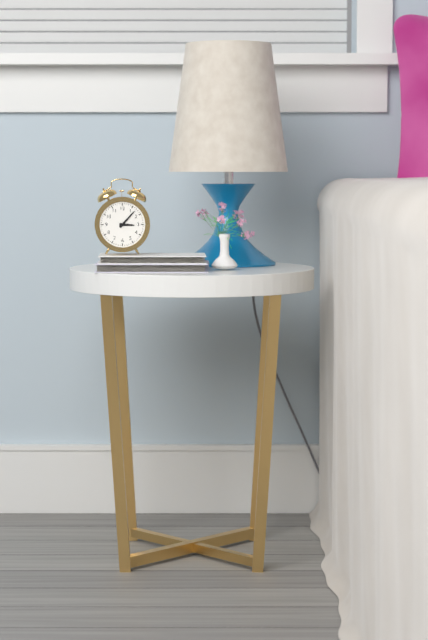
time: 3:07
